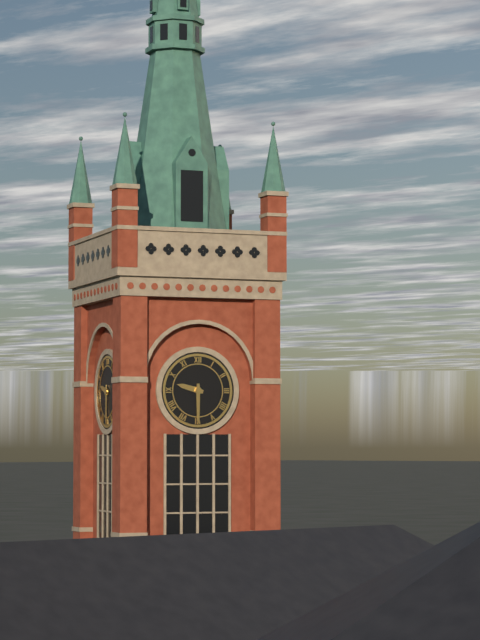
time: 9:30
